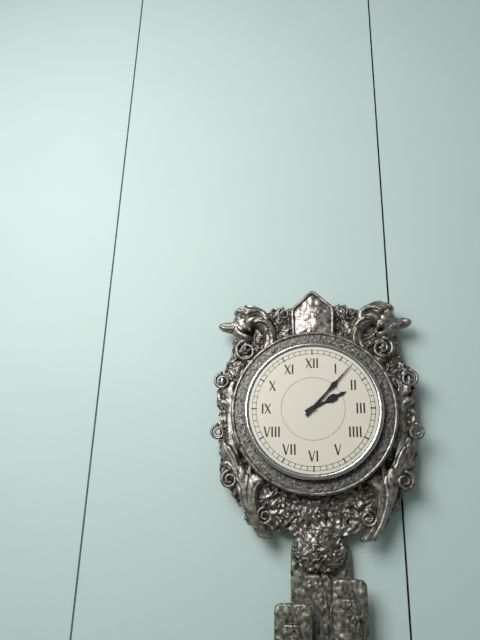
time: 2:07
